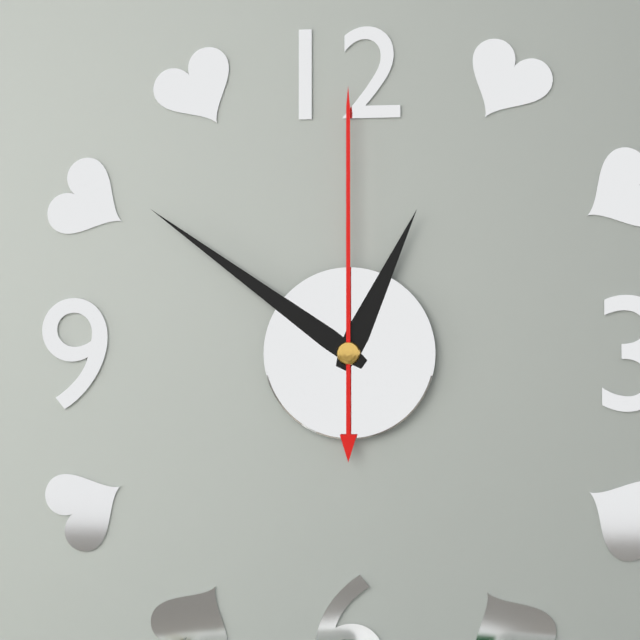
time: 12:51:00
